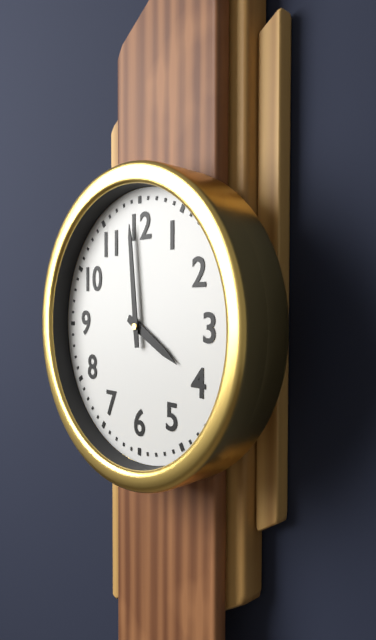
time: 3:59
